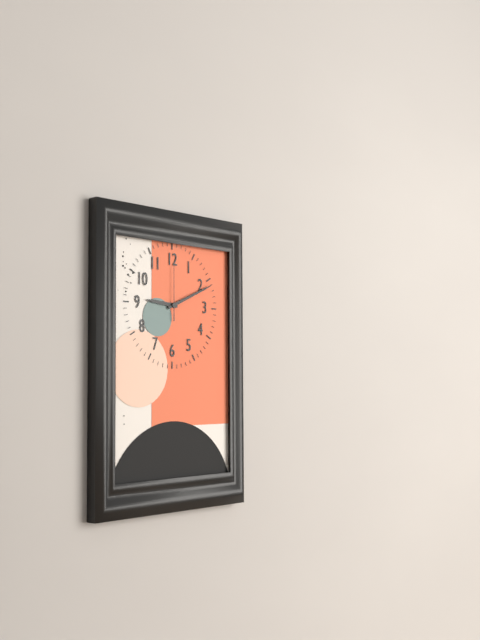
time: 9:11
